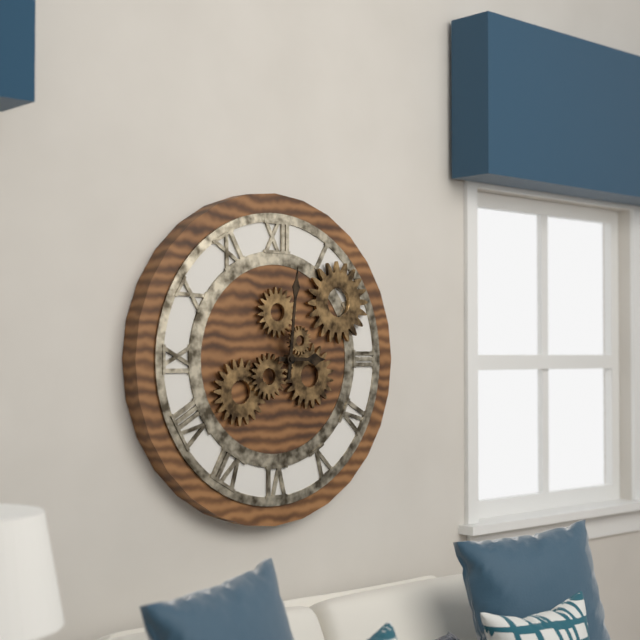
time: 3:01
